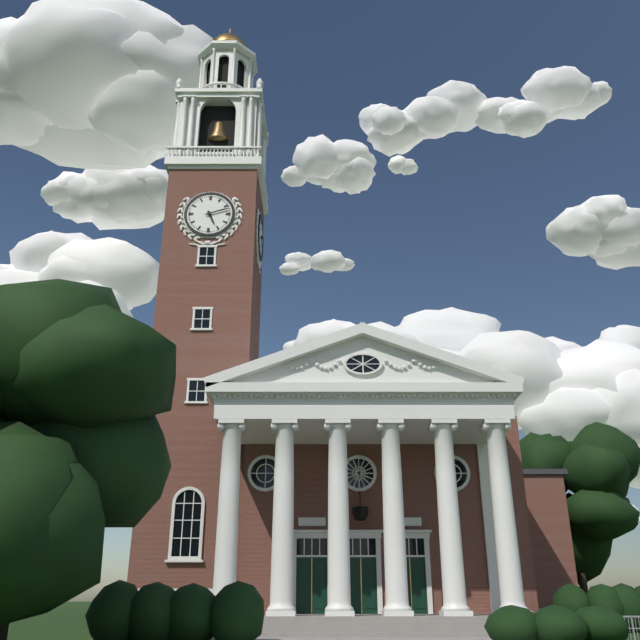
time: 5:12
